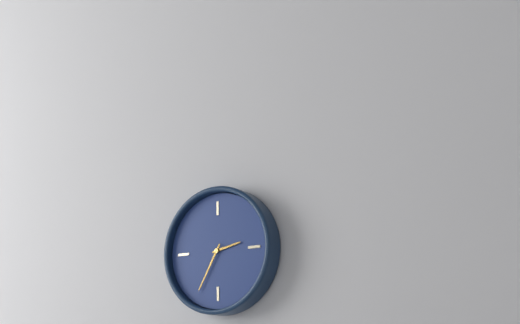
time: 2:35
